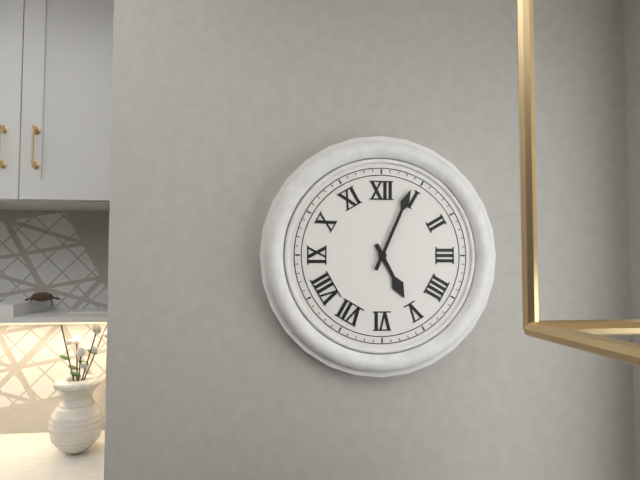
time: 5:04
